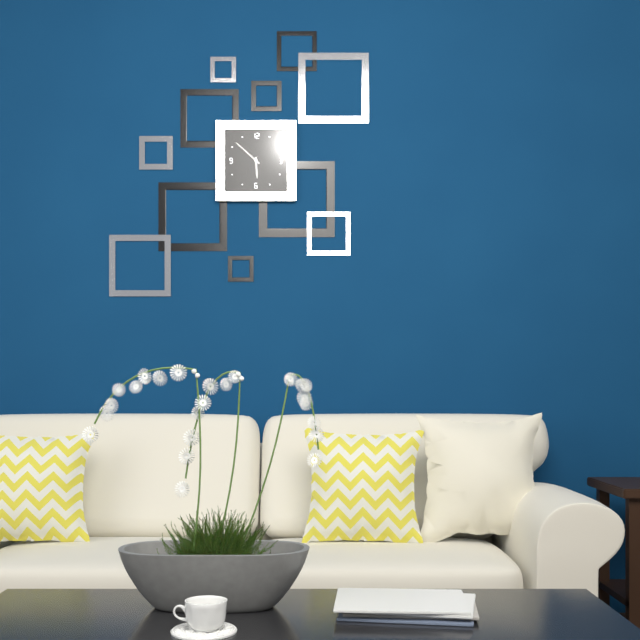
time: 5:52
